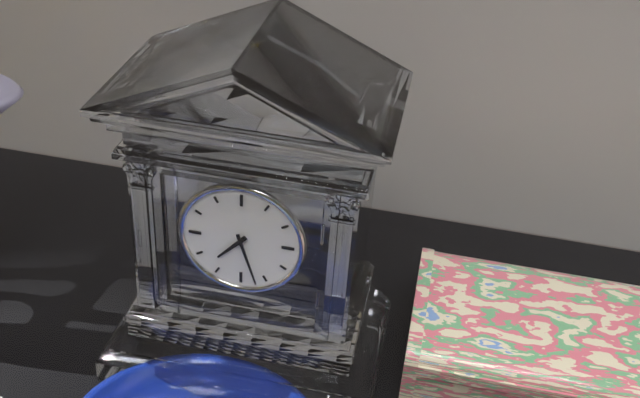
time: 7:27
